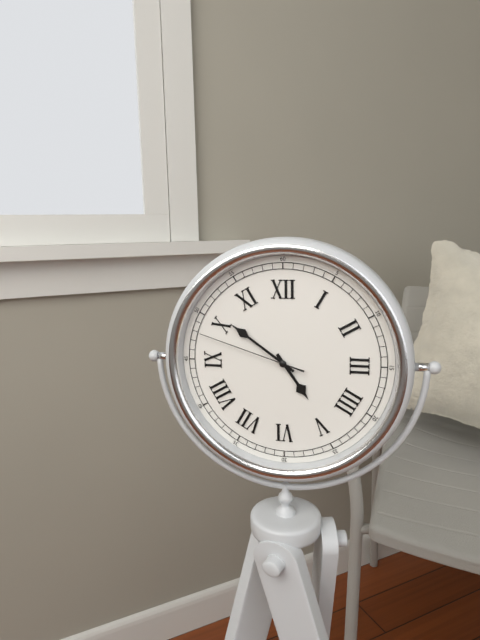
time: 4:51:48
